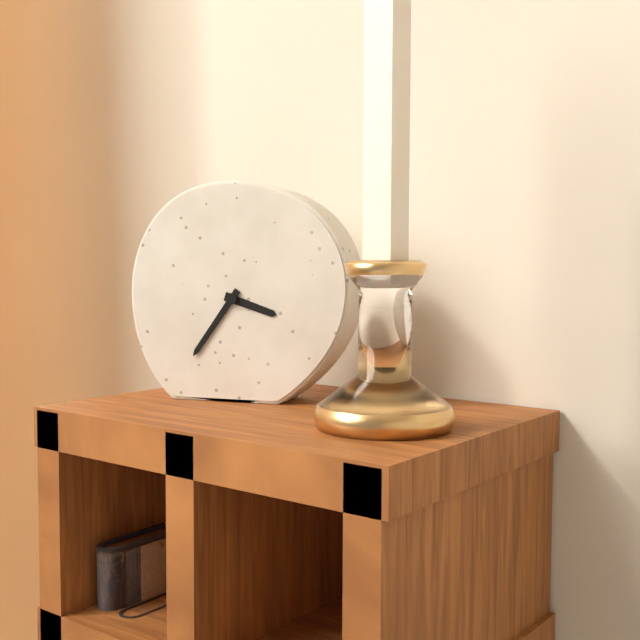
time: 3:36
